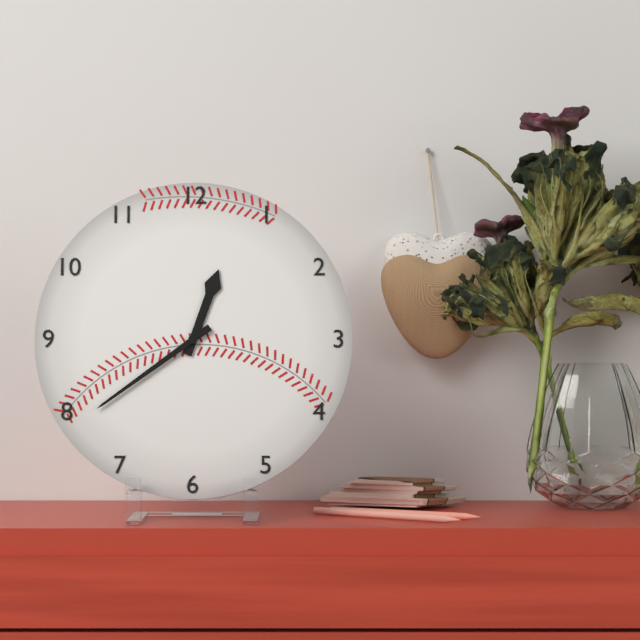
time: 12:39
